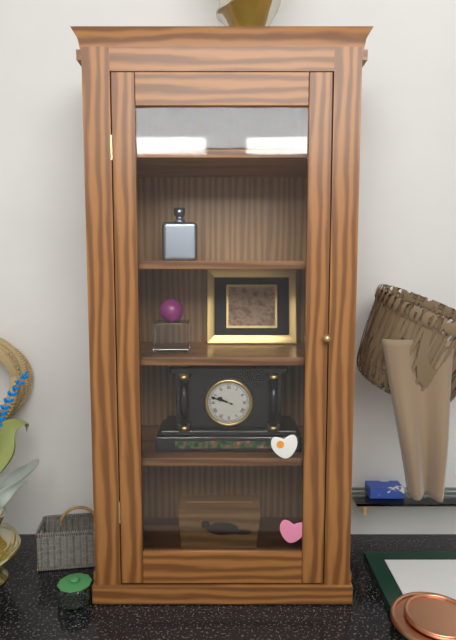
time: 9:48
